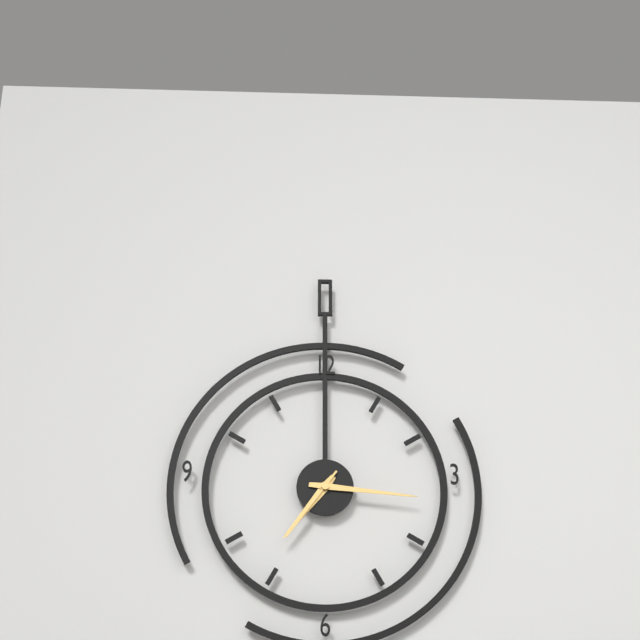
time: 7:16:36
